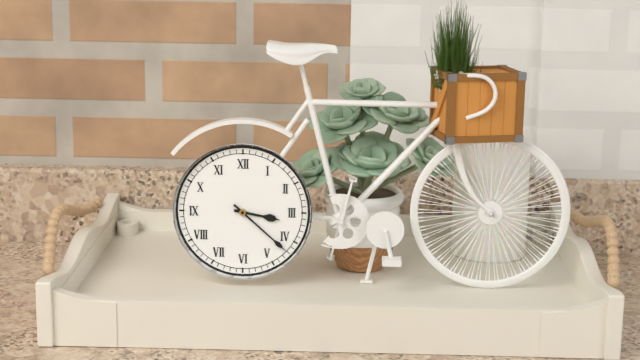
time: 3:22
